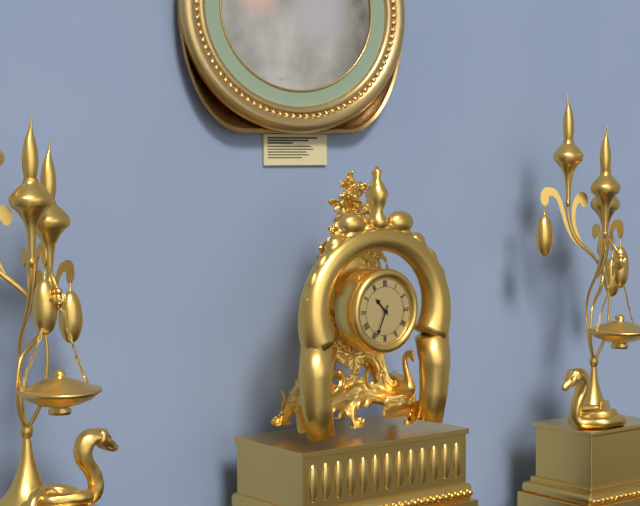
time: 10:34
